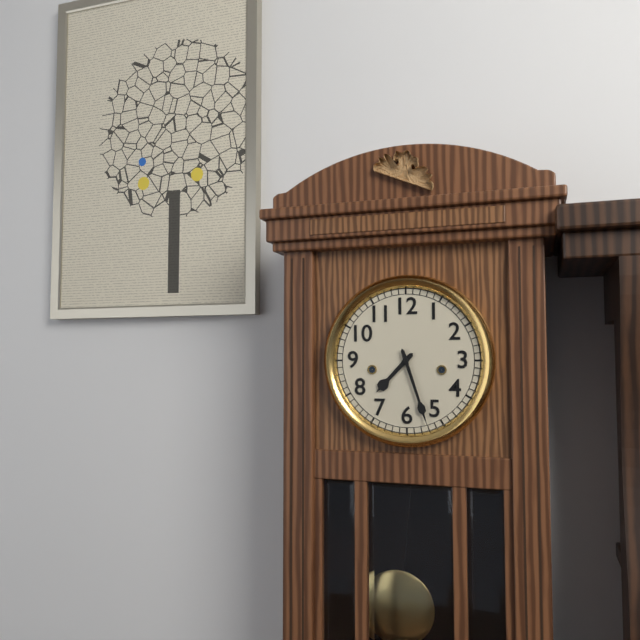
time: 7:27
